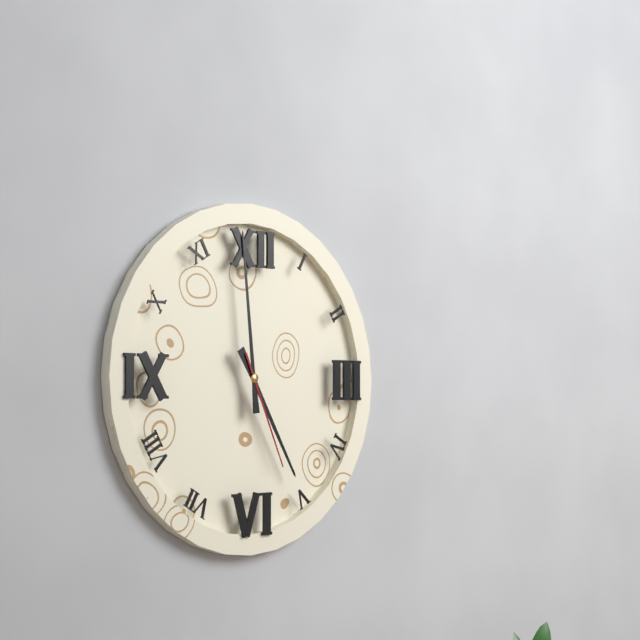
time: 4:59:26
